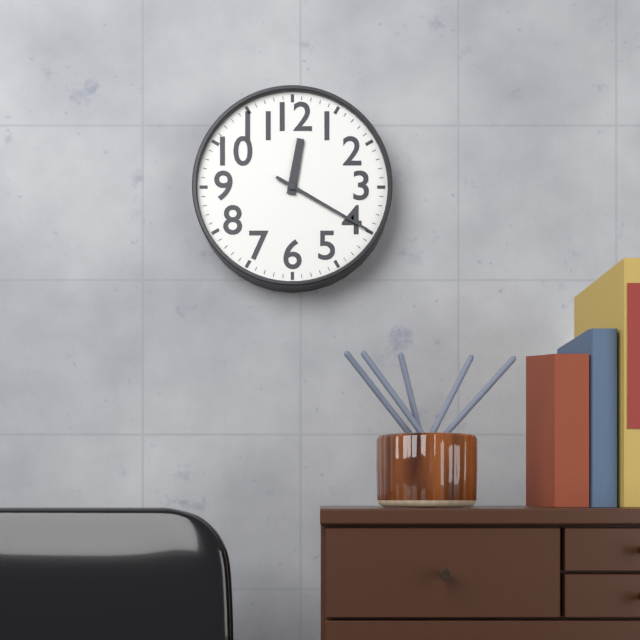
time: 12:20
